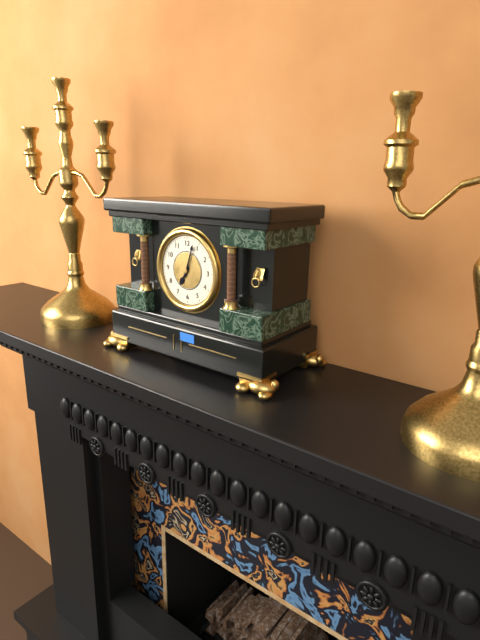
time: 7:03
